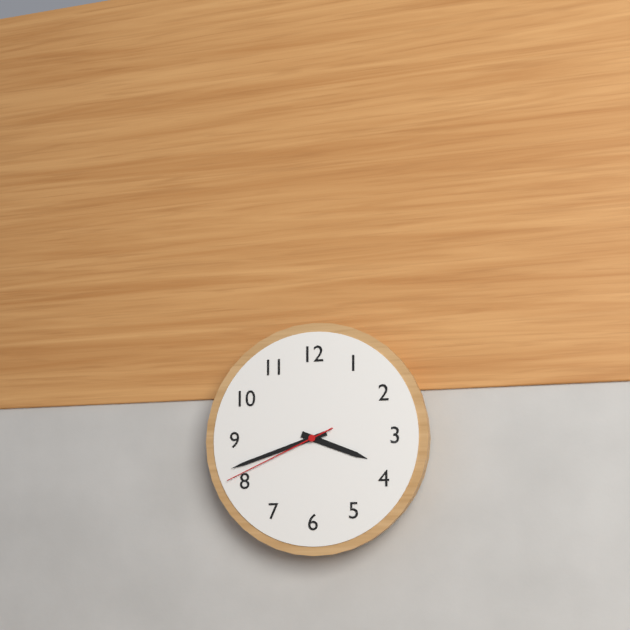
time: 3:42:41
